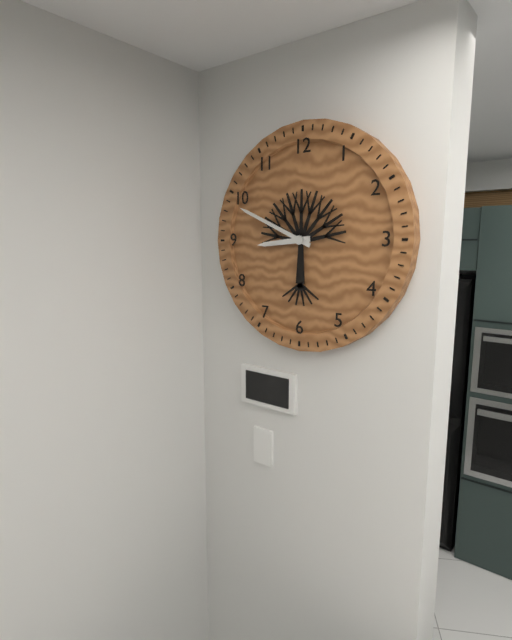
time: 8:49
